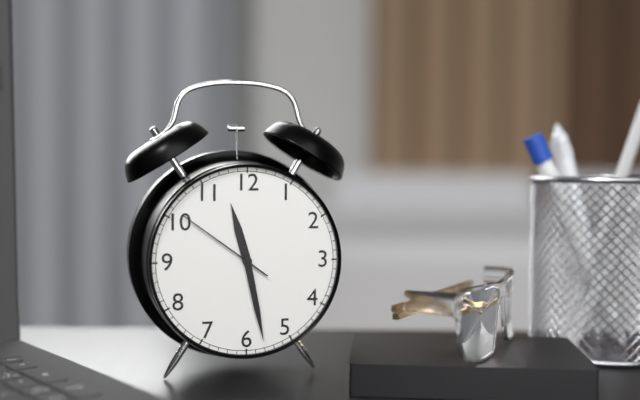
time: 11:28:51
